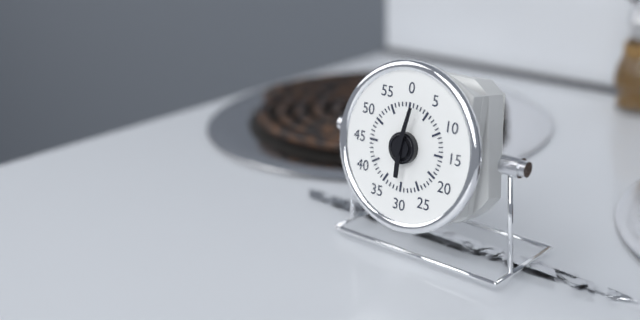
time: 6:02
